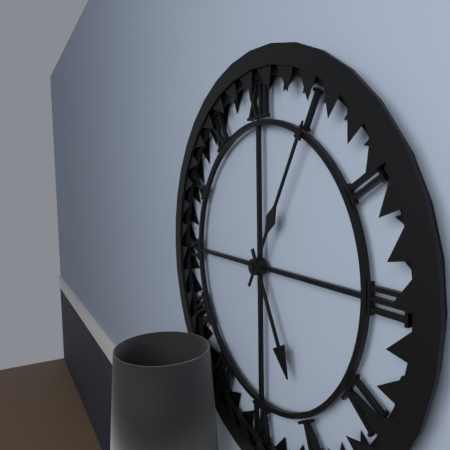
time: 5:05
